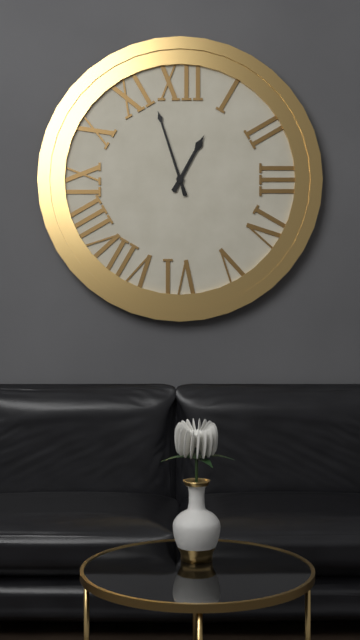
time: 12:57
